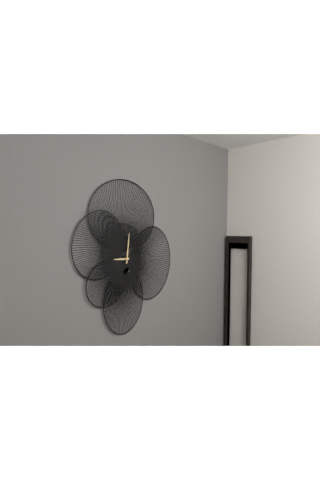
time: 9:01
